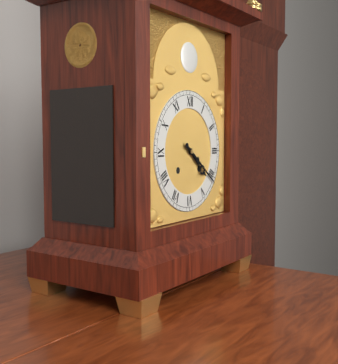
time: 4:21
